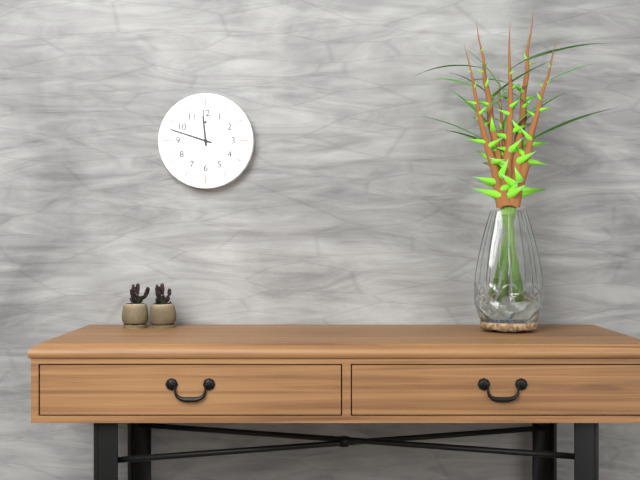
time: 11:48
